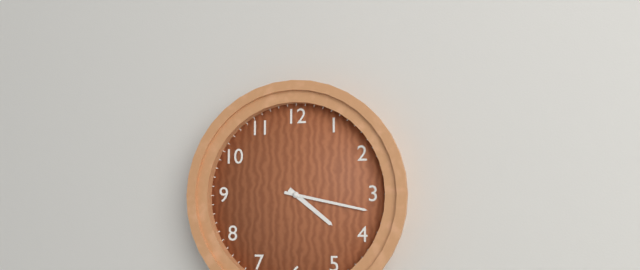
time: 4:17
